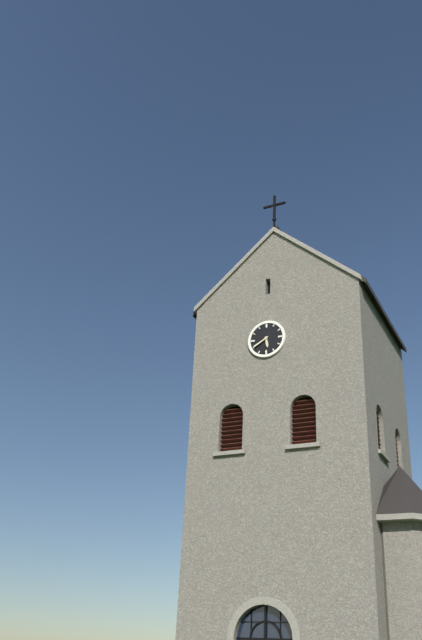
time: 5:40
